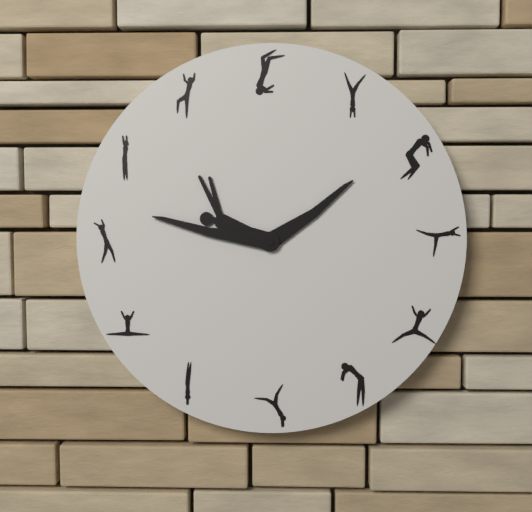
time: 1:47
